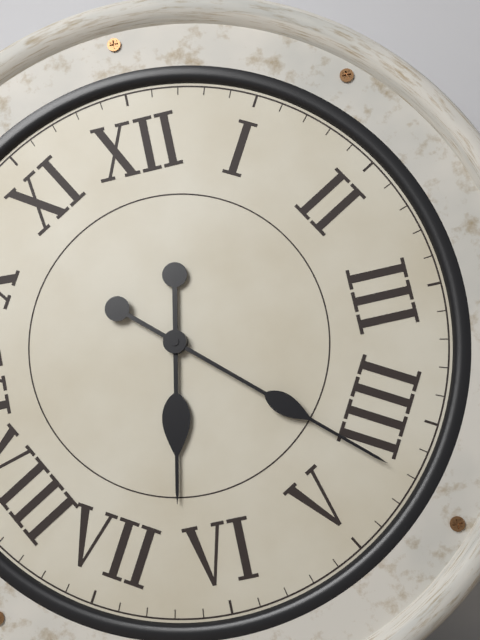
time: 6:22
